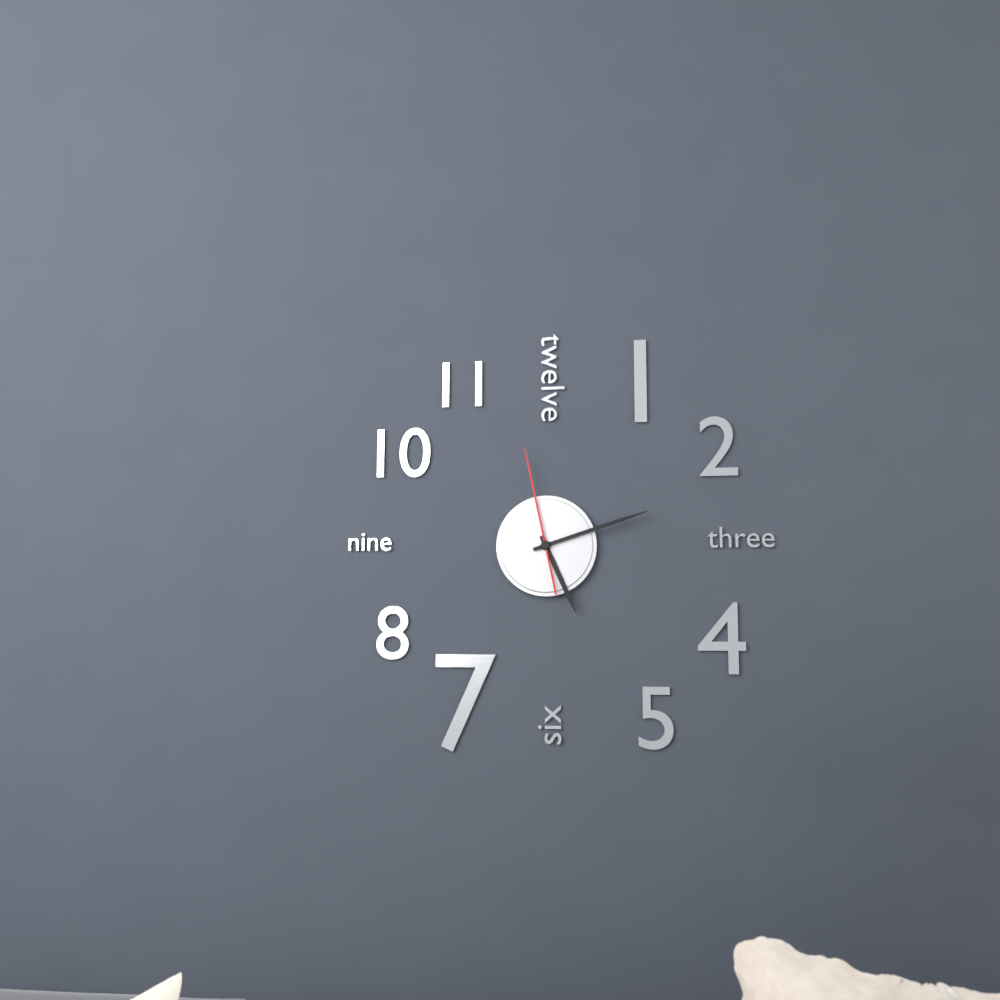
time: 5:12:58
